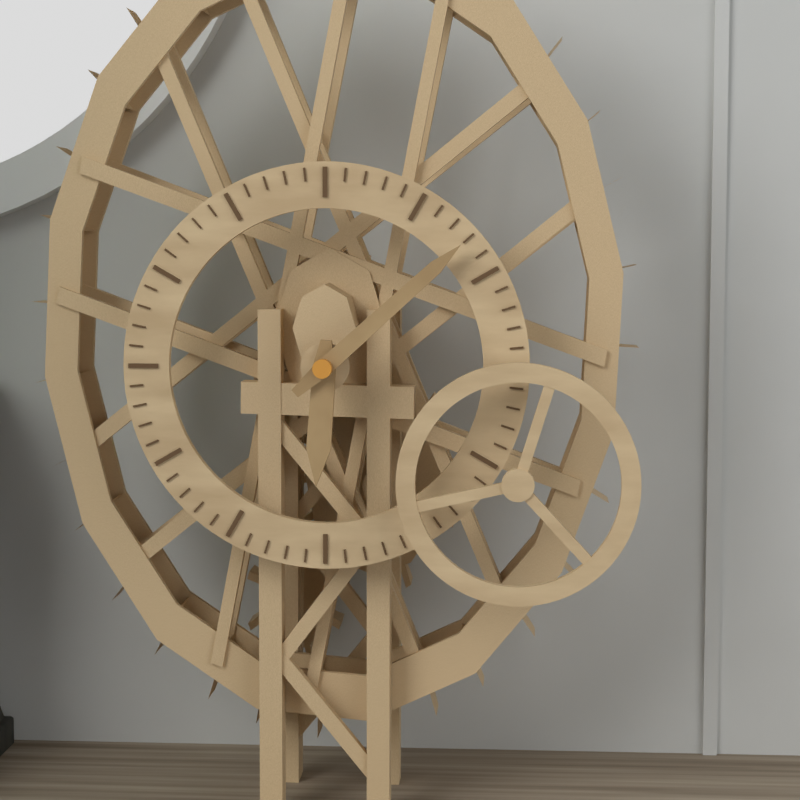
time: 6:08
